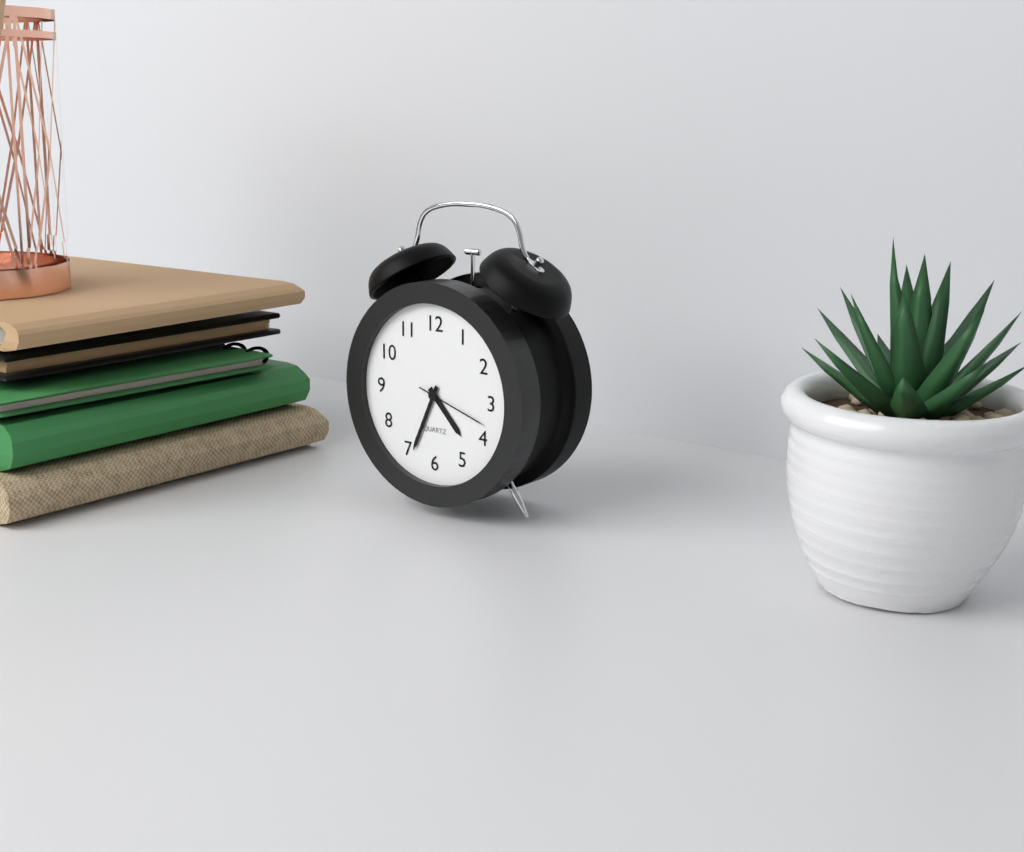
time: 4:34:18
